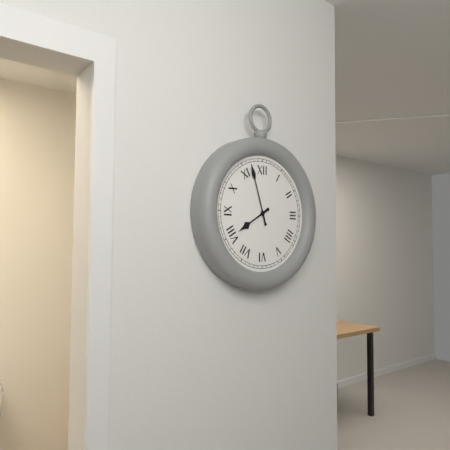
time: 7:57
